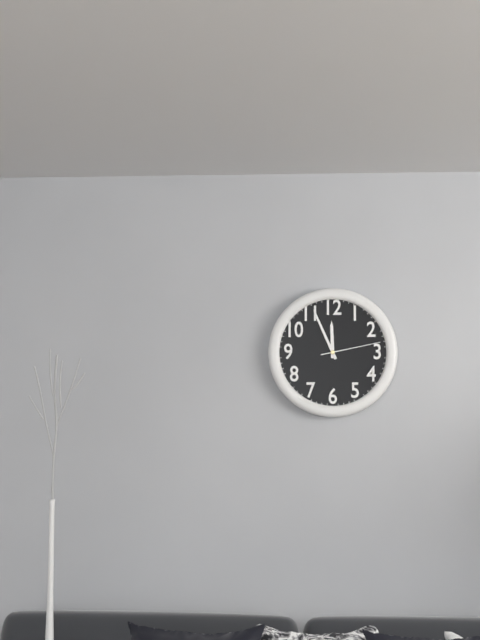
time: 11:56:13
